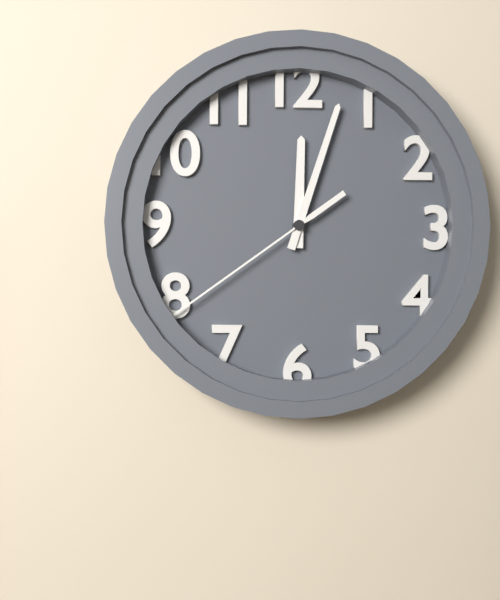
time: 12:03:39
